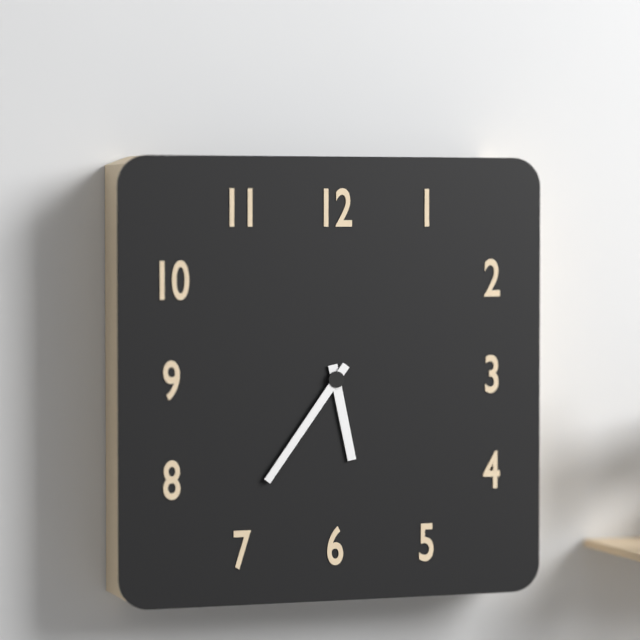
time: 5:36
